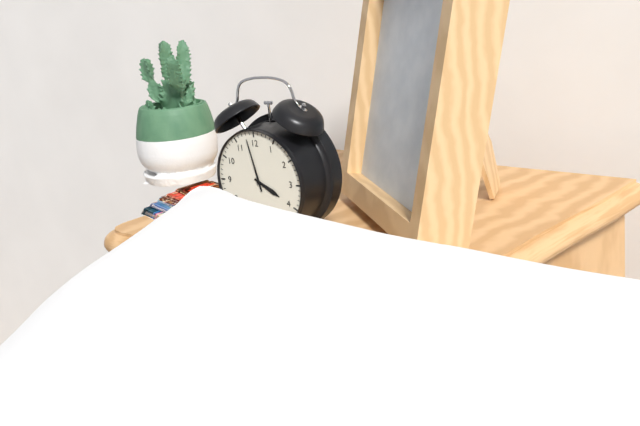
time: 3:58
